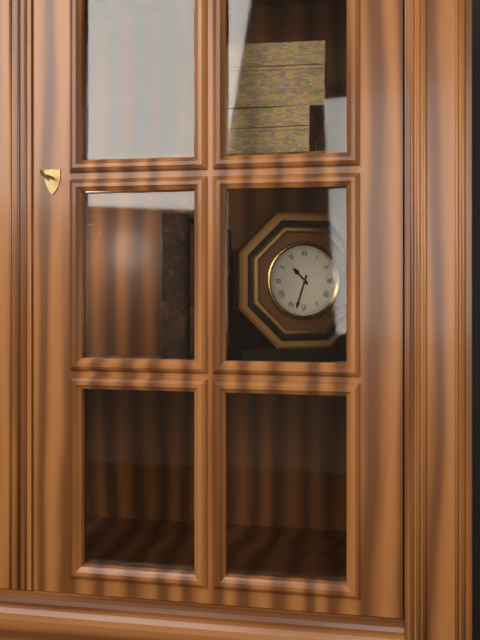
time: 10:33
